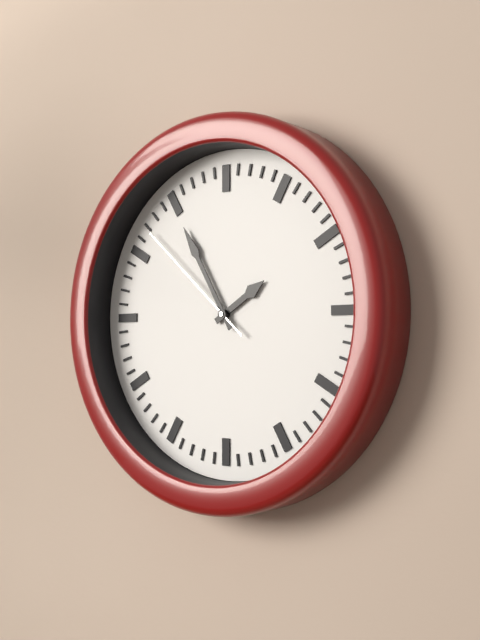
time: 1:55:52
